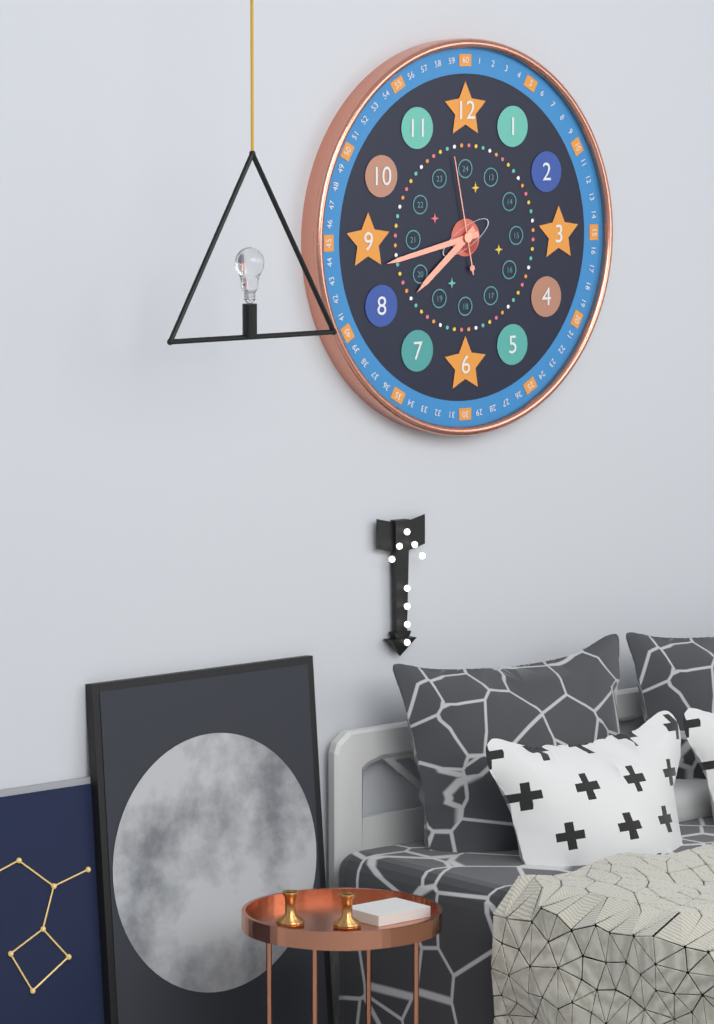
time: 7:43:58
